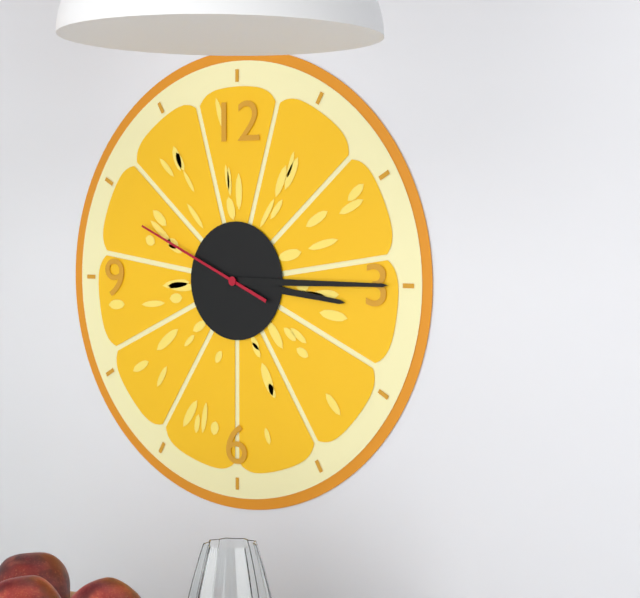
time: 3:15:49
